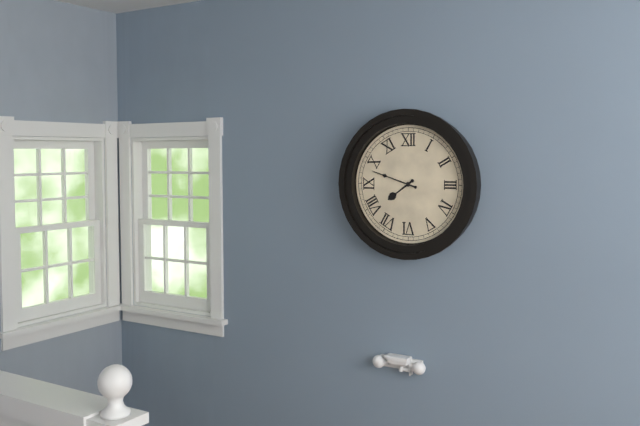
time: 7:48
